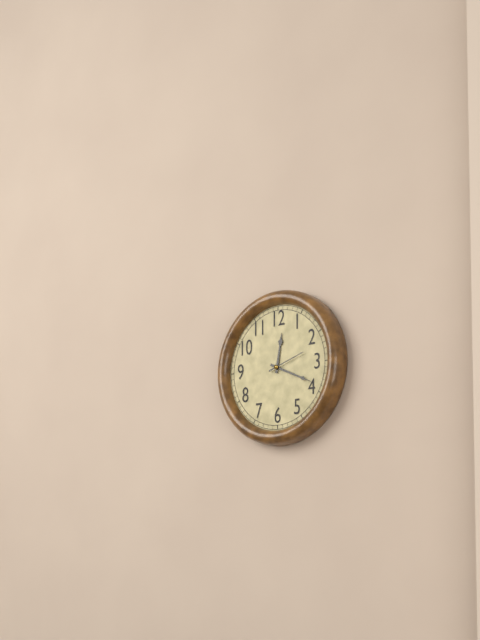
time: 12:19
